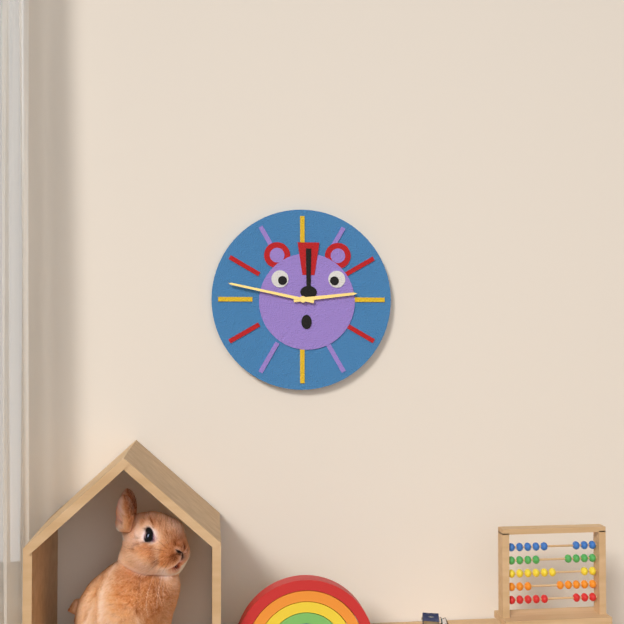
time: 2:47
